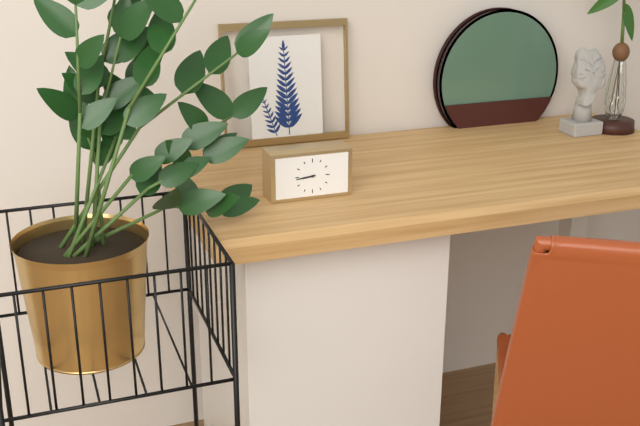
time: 8:44
